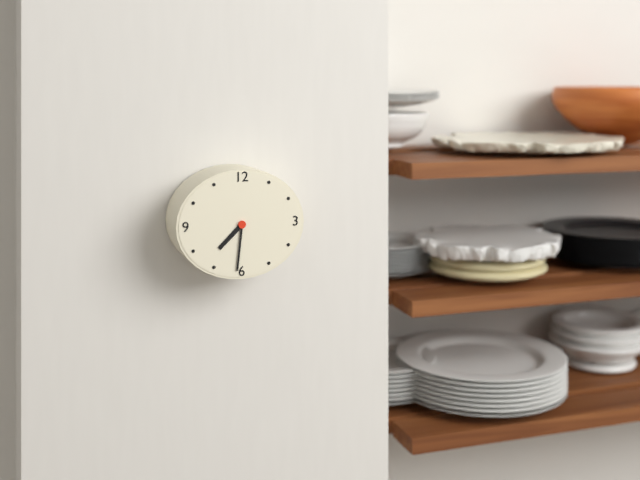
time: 7:31
